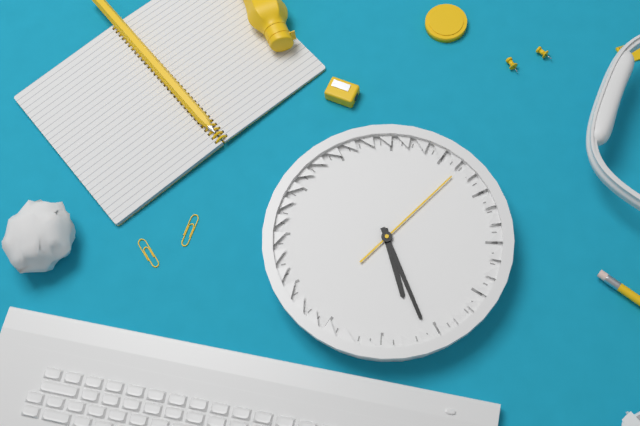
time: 5:26:07
